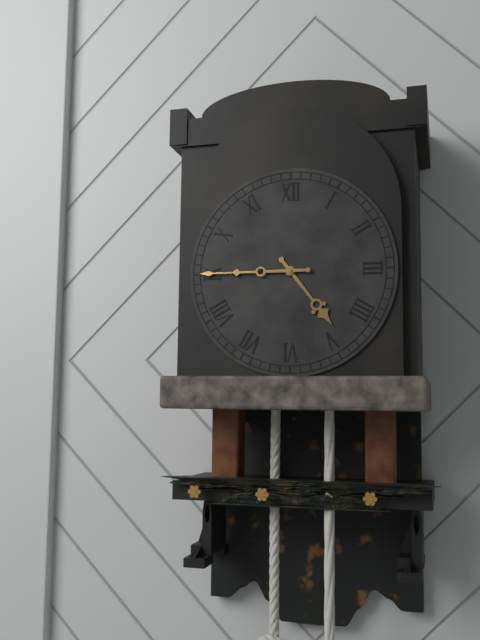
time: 4:45
